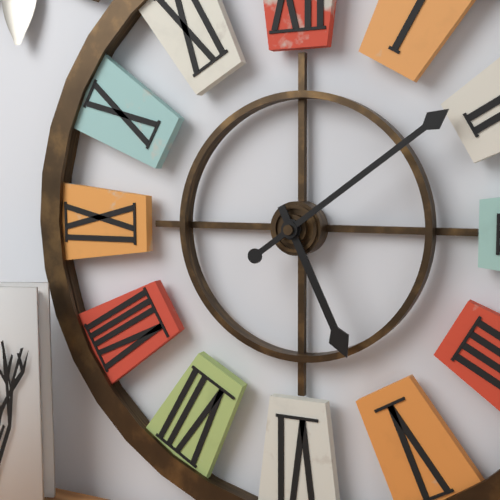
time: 5:09
